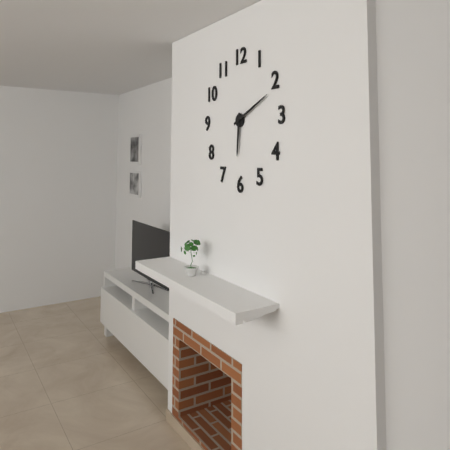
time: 6:11
